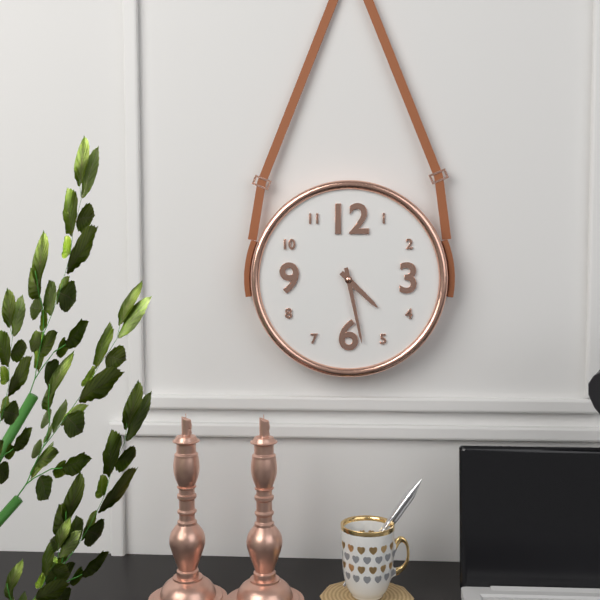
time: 4:28
